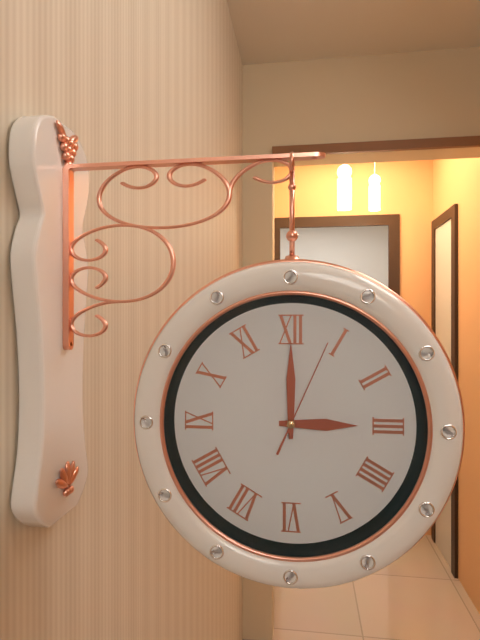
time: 3:00:04
